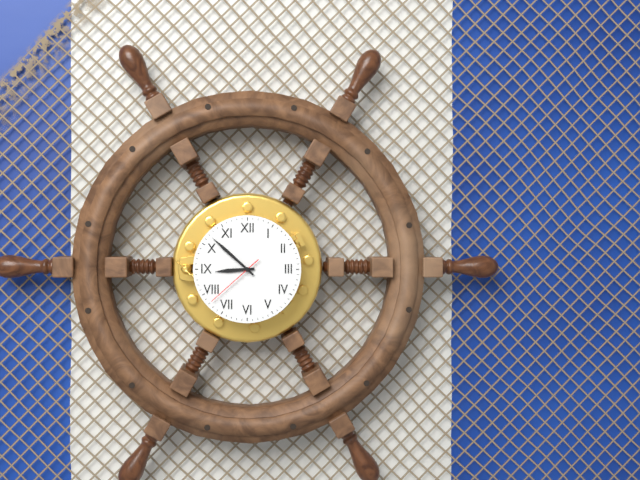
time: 8:52:38
